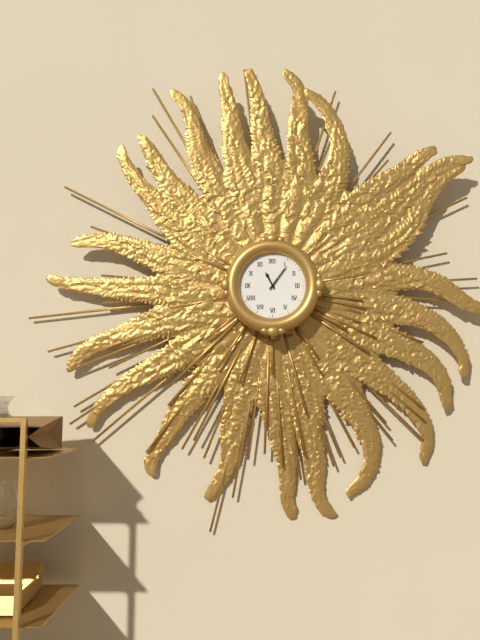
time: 11:06
